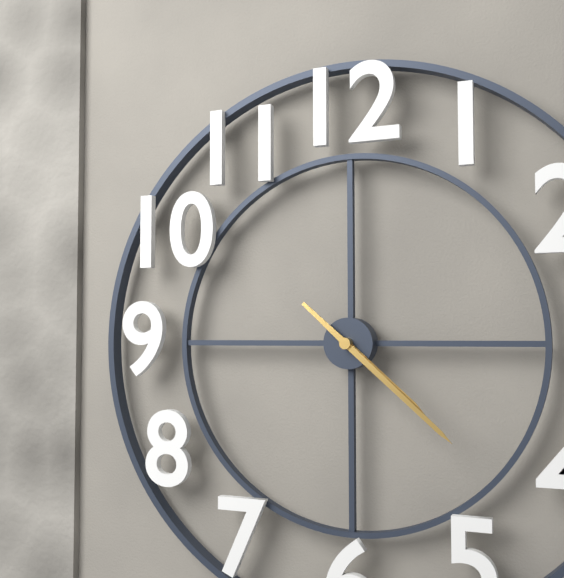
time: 4:22
